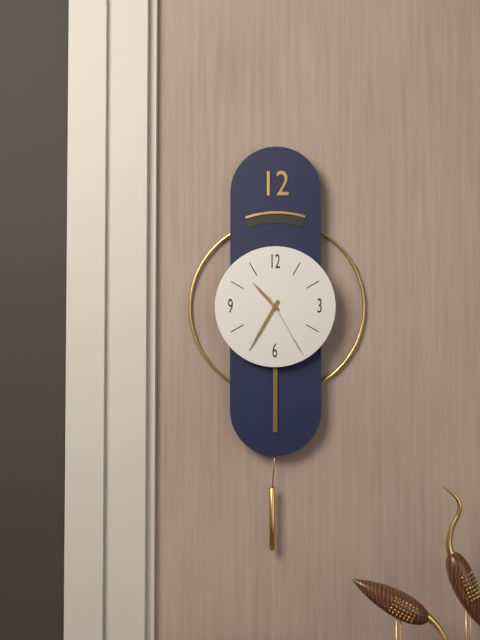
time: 10:35:25
